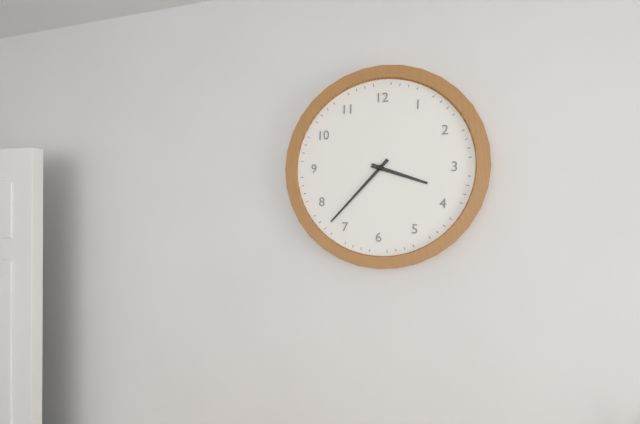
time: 3:37
